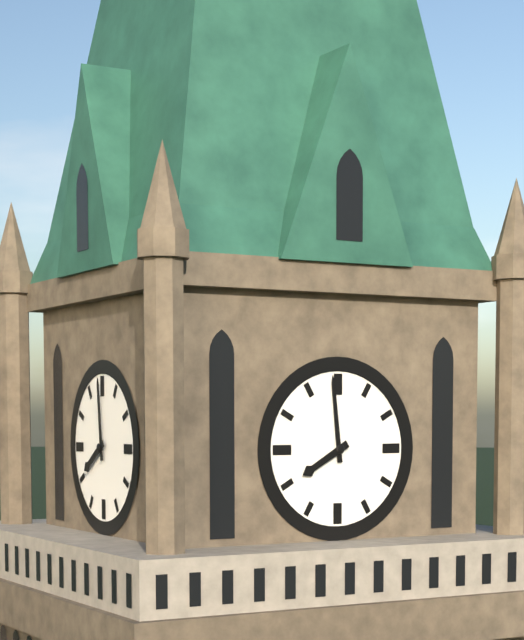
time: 7:59
